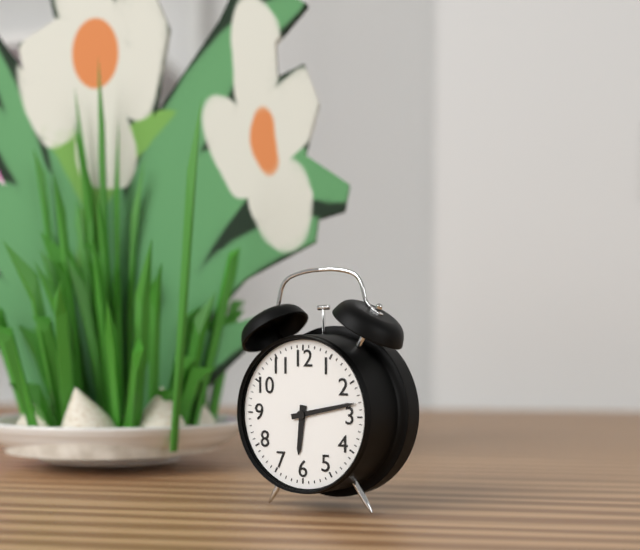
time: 6:13
